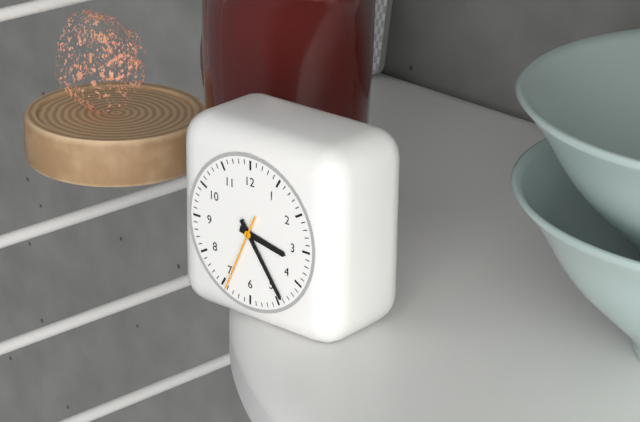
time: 3:24:34
